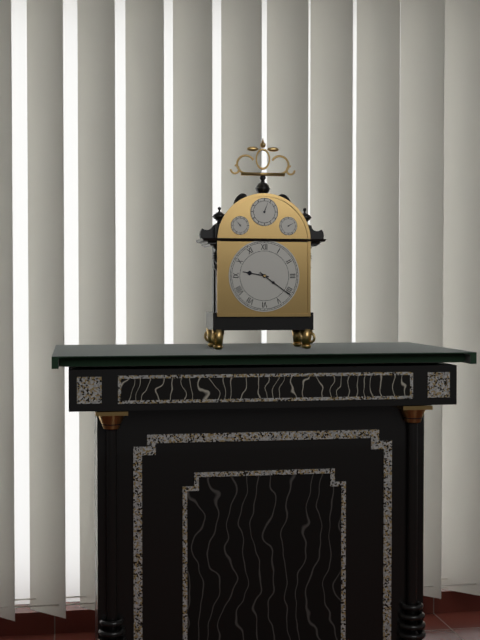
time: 9:21
